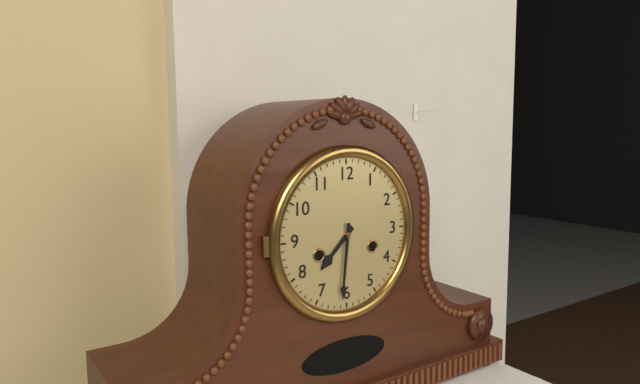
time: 7:31
